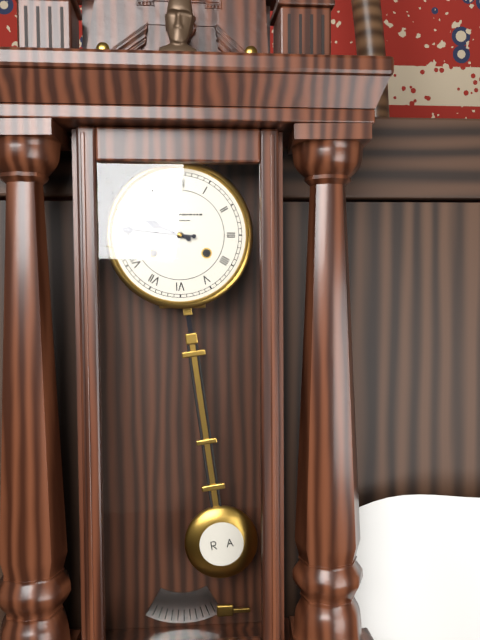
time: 9:46
